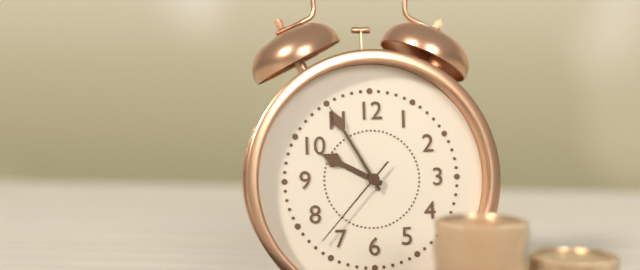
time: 9:55:37
